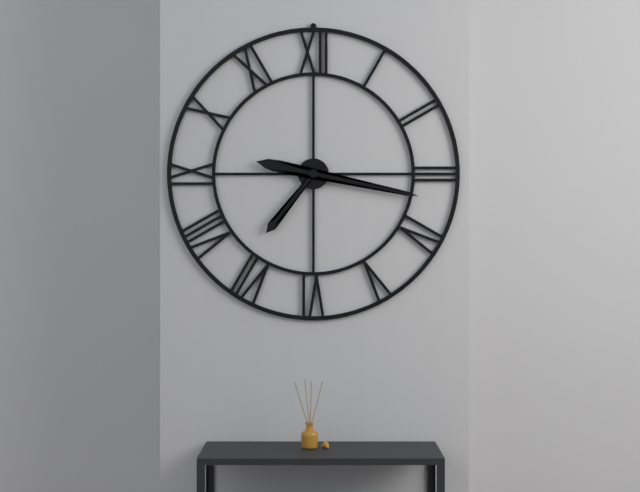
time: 7:17
